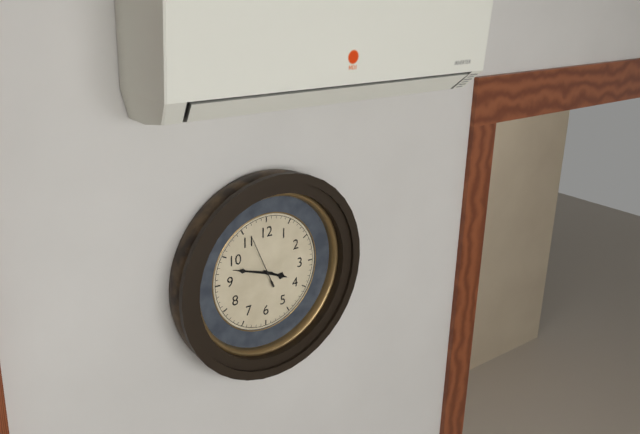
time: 3:48:56
